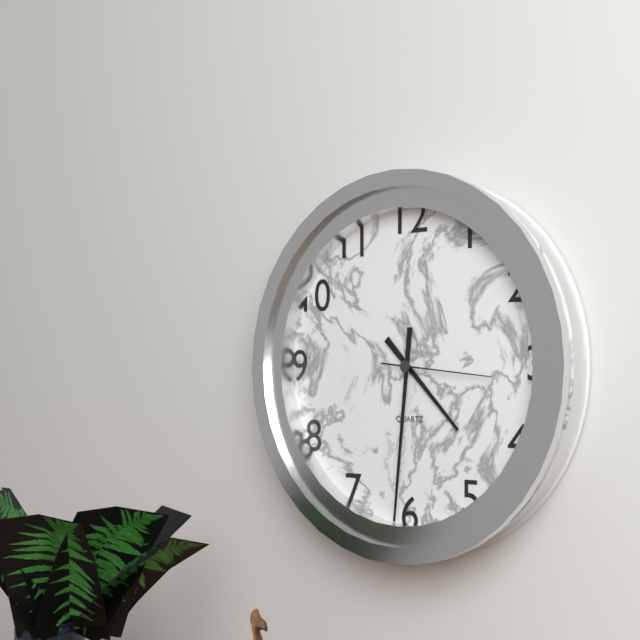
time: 4:31:16
